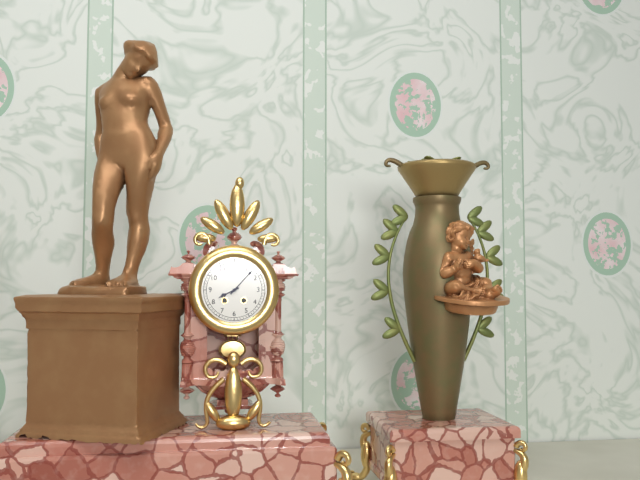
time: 8:07
